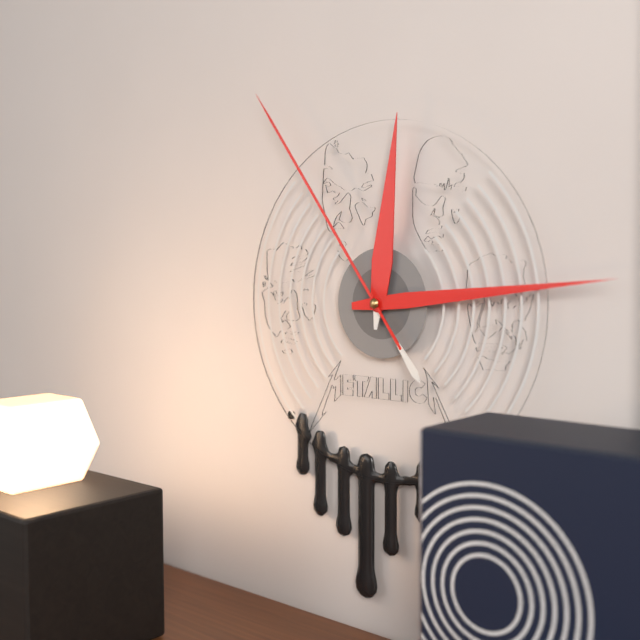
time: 12:14:54
